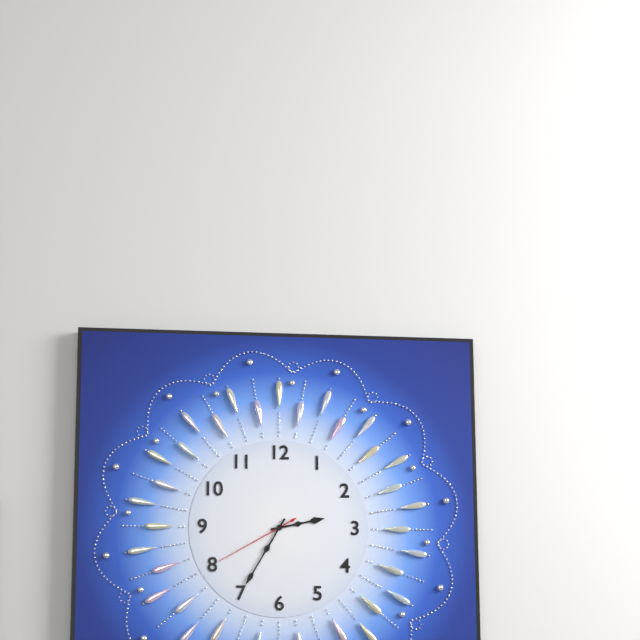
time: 2:35:40
